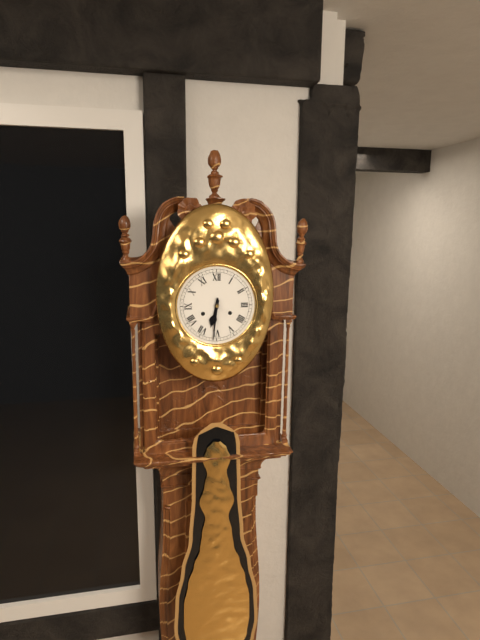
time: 6:31
